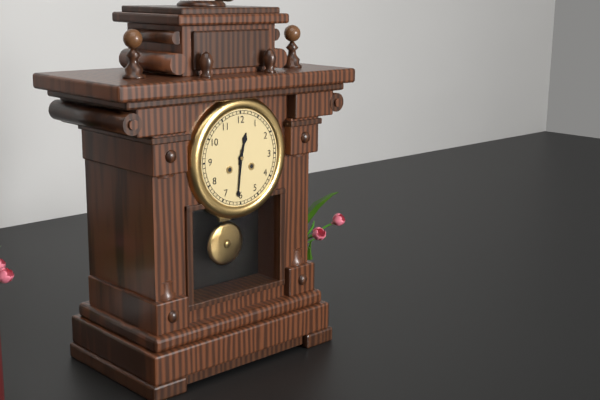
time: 12:31
